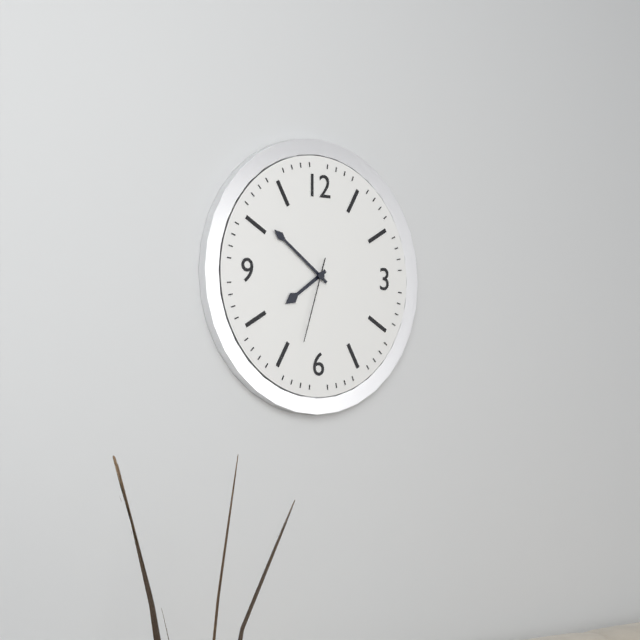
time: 7:51:33
